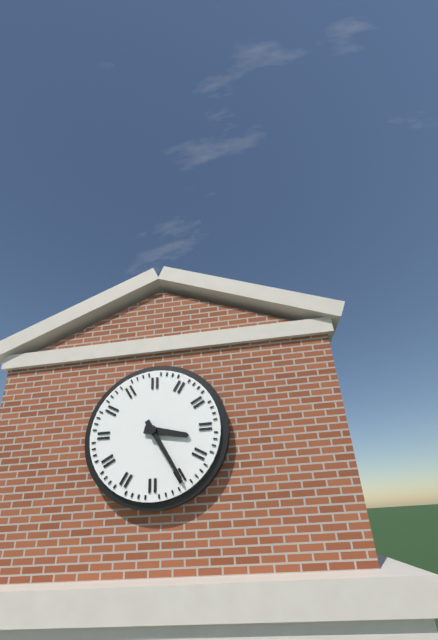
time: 3:25
